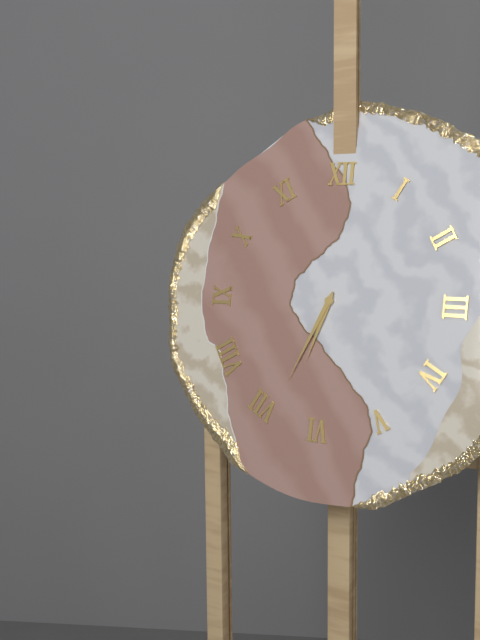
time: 6:34
